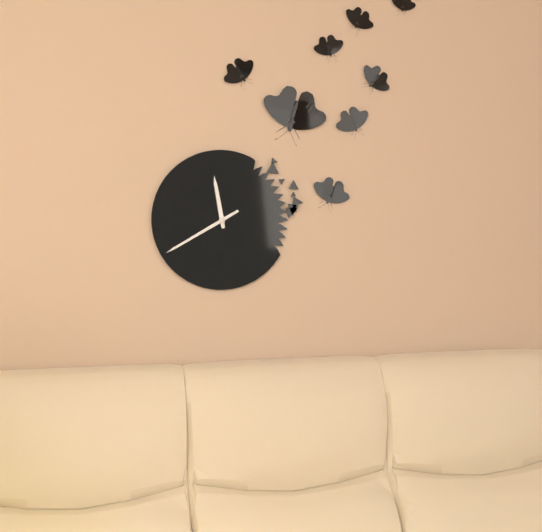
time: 11:40
